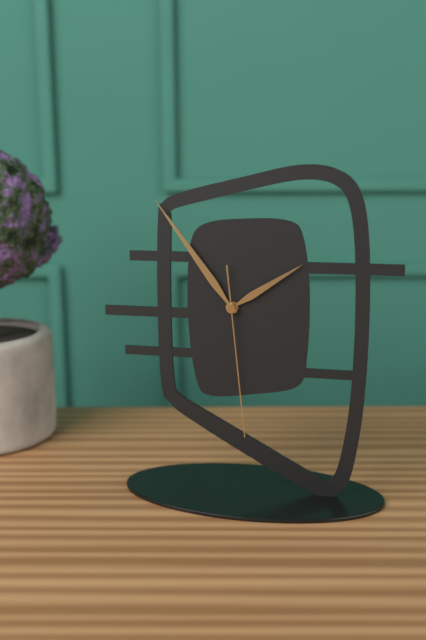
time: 1:54:29
